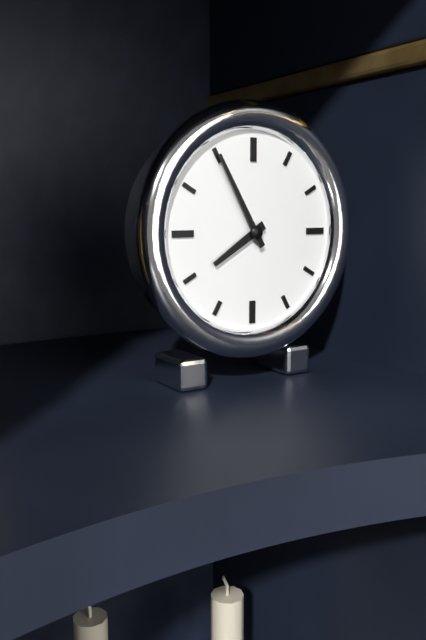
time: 7:55
